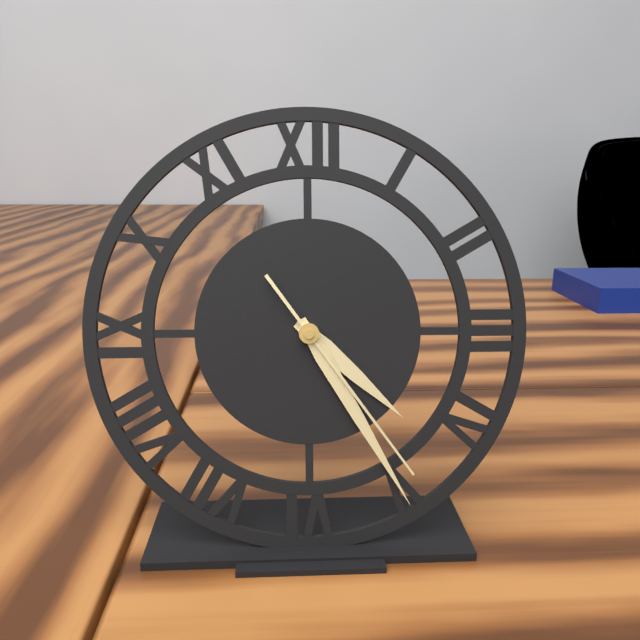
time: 4:25:24
